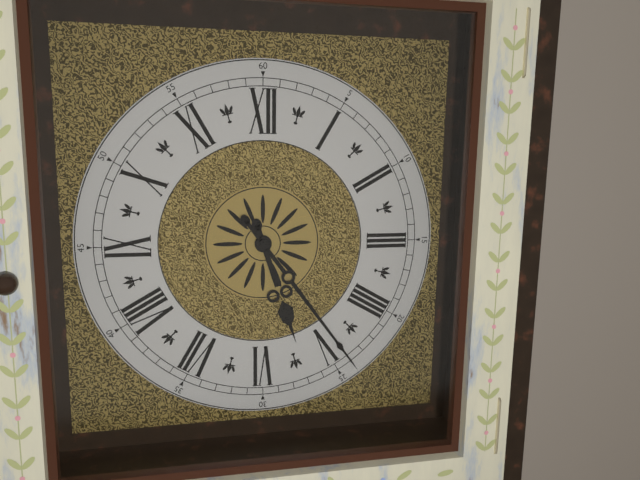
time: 5:24
